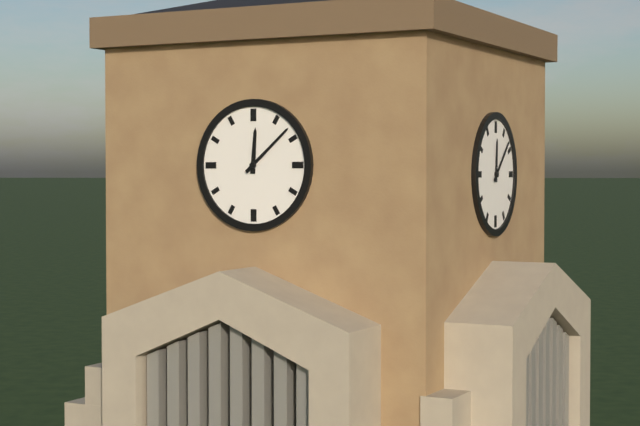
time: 12:08
